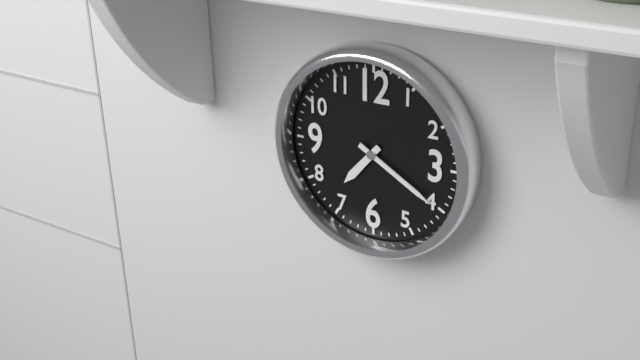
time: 7:20
